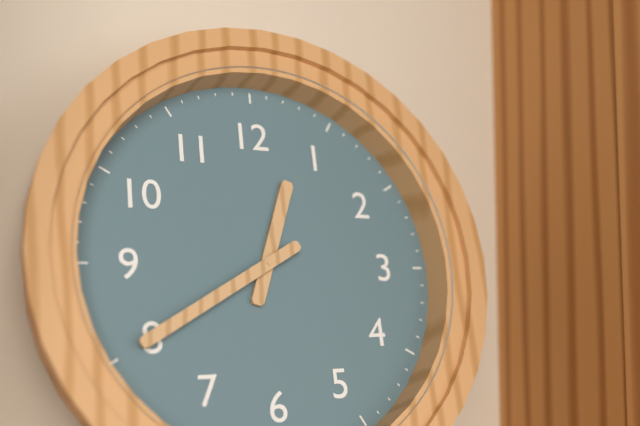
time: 12:40
